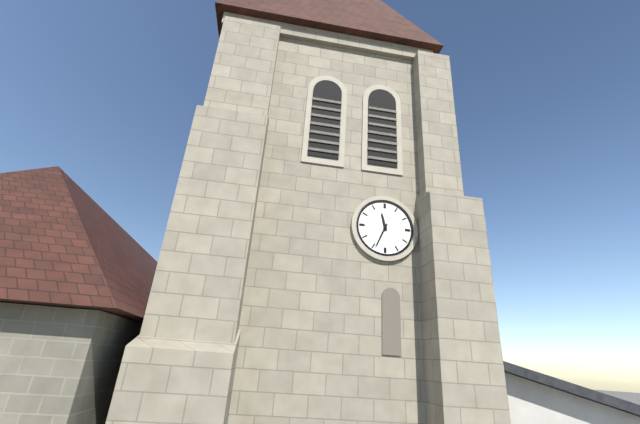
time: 11:34
